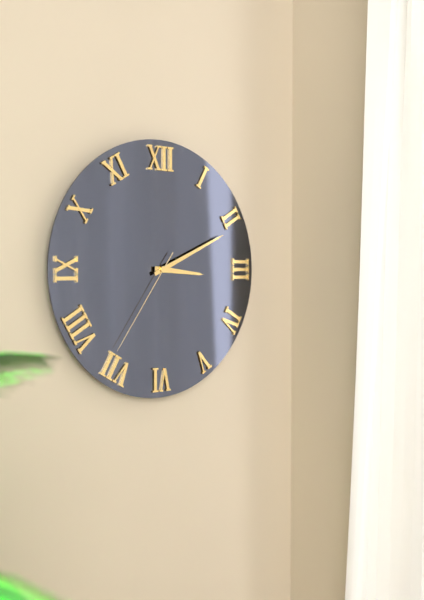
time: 3:11:36
